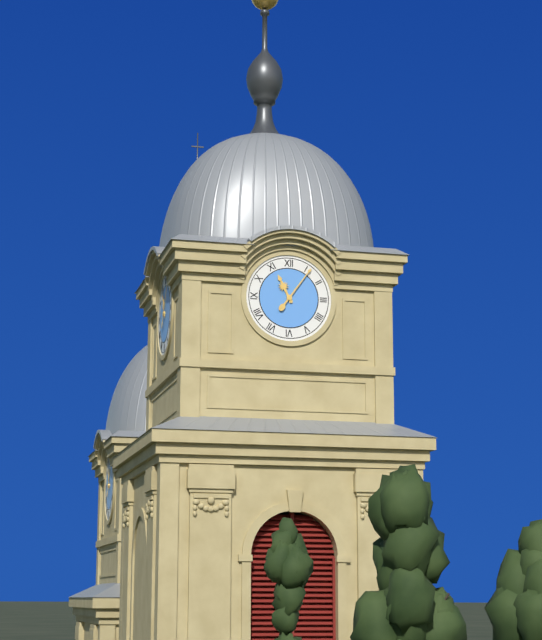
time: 11:06
